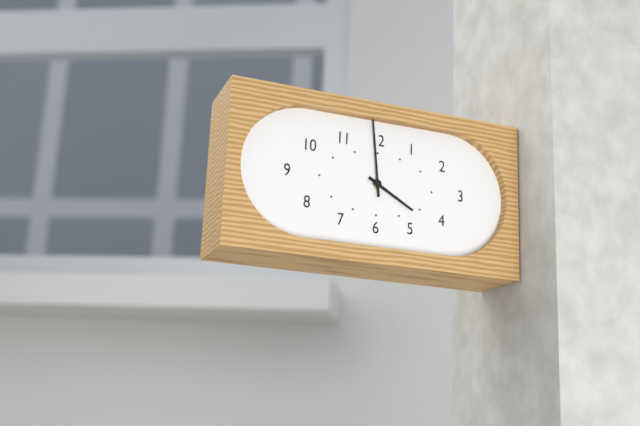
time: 3:59
